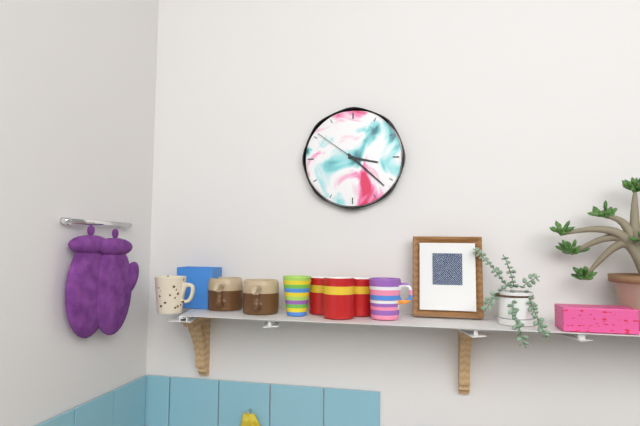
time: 3:22:51
